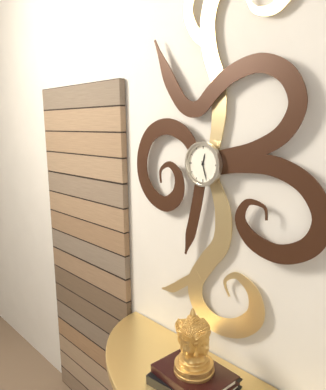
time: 12:27
